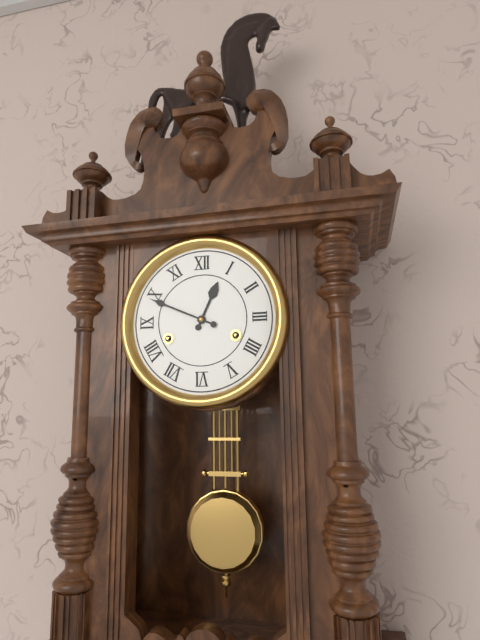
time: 12:49
